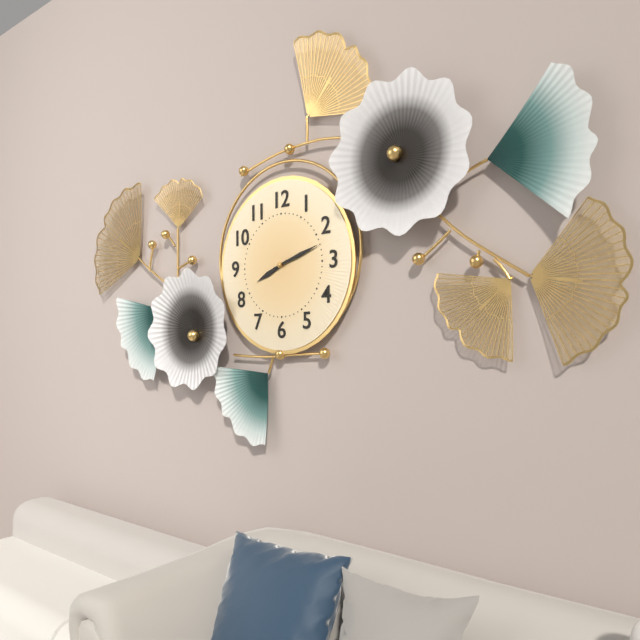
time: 8:12
